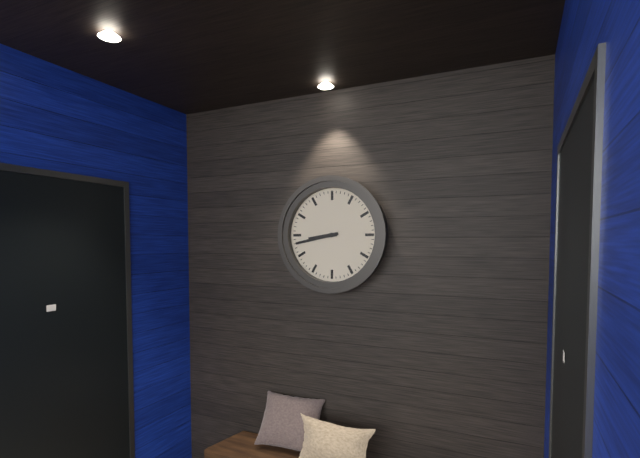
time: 8:43
